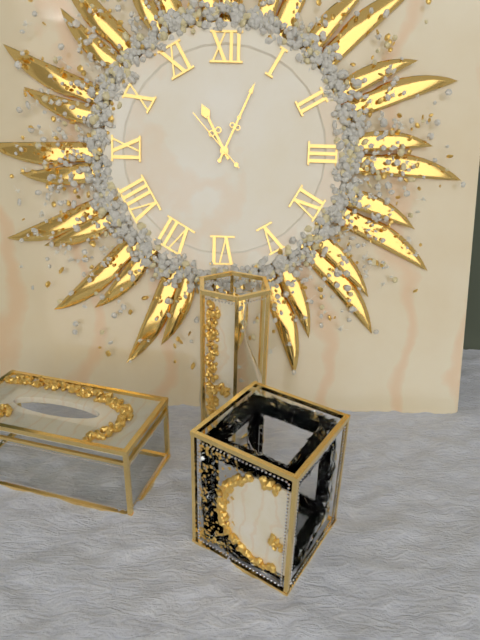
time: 11:04:53
